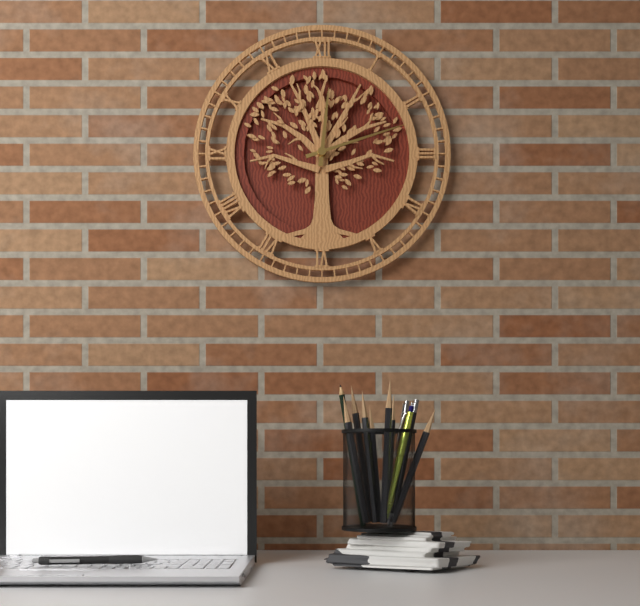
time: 12:12
